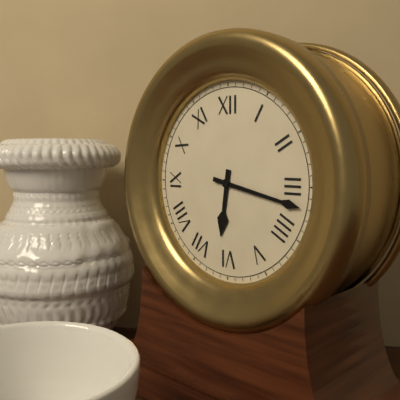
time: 6:17
